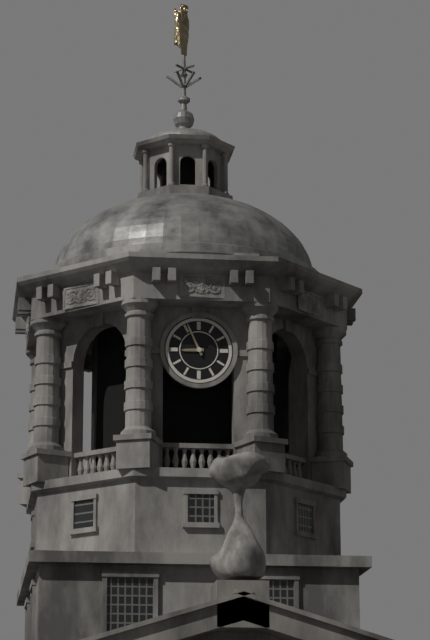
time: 8:56
